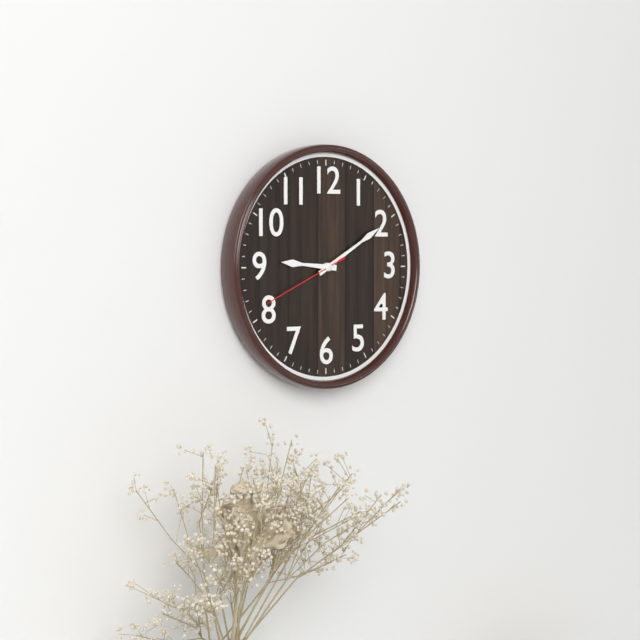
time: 9:10:41
